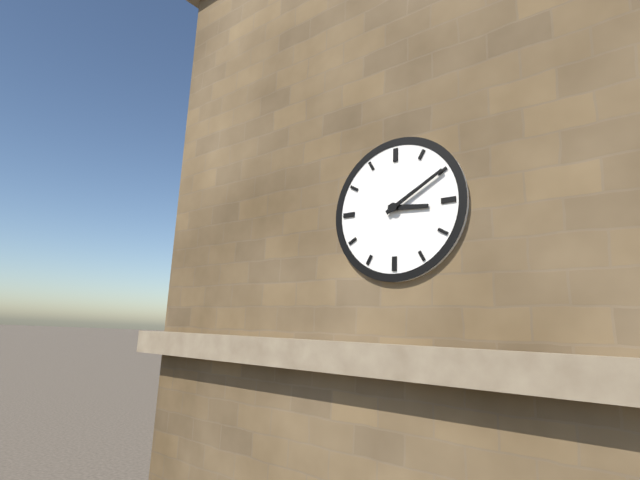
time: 3:10
